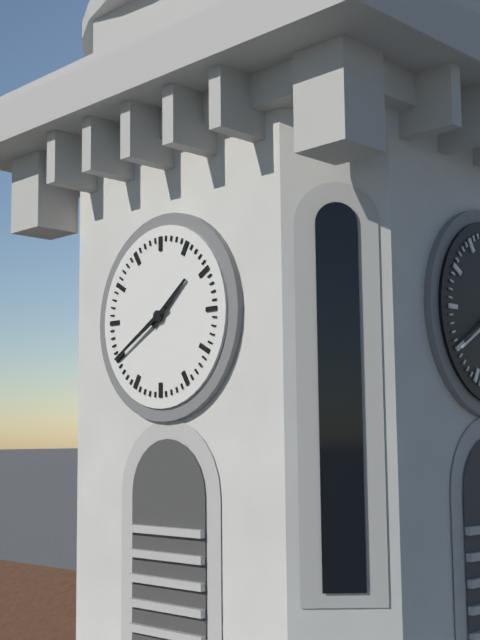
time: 1:40
